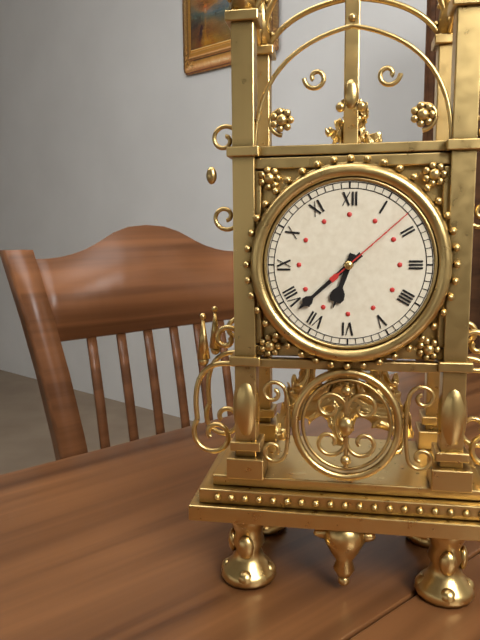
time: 6:38:08
